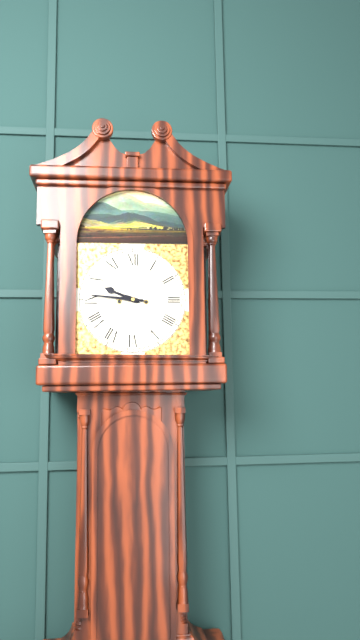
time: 9:46
